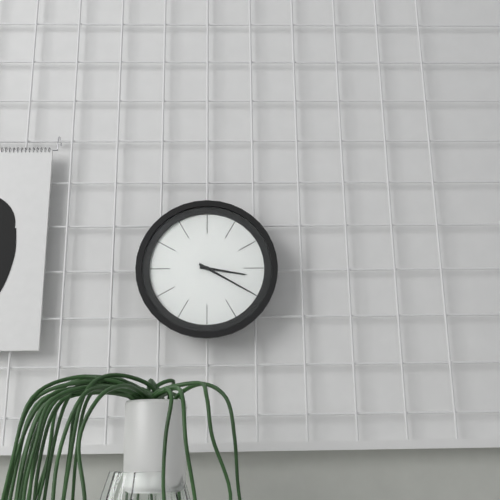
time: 3:20
